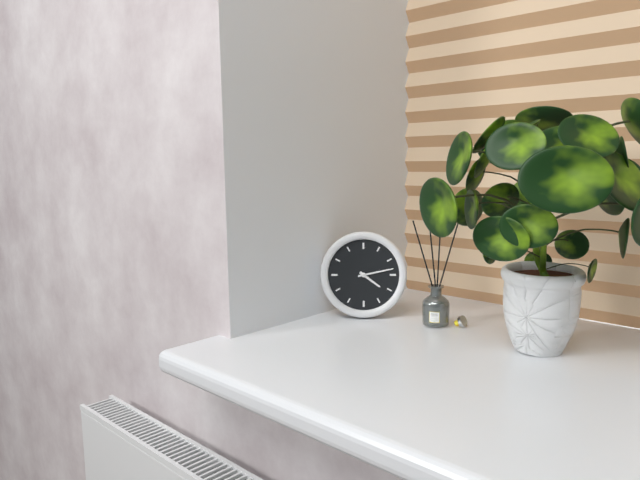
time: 4:13
